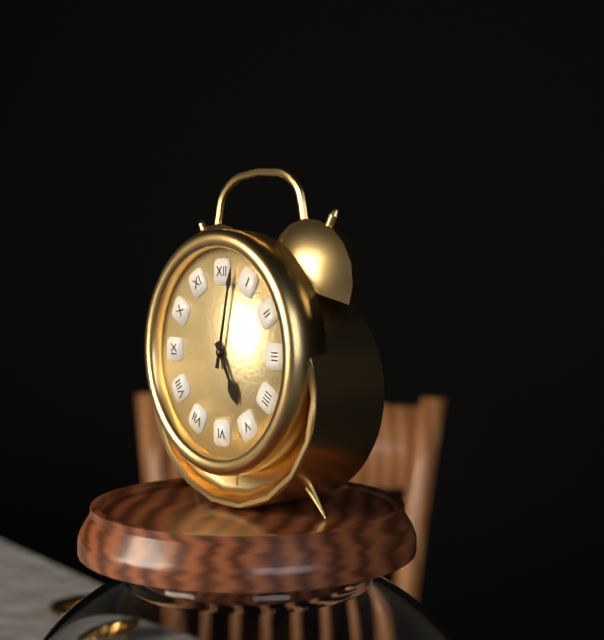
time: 5:02
